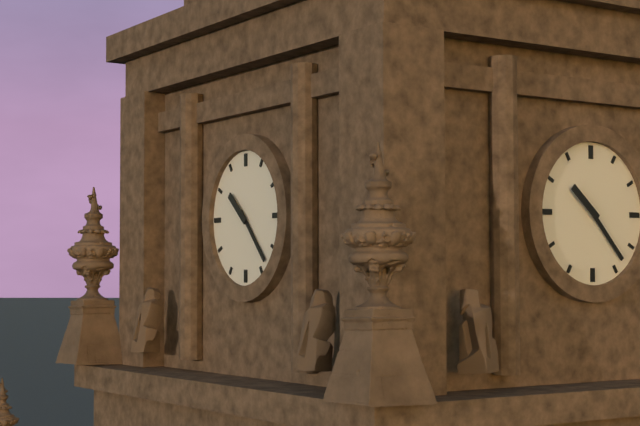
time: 10:23
